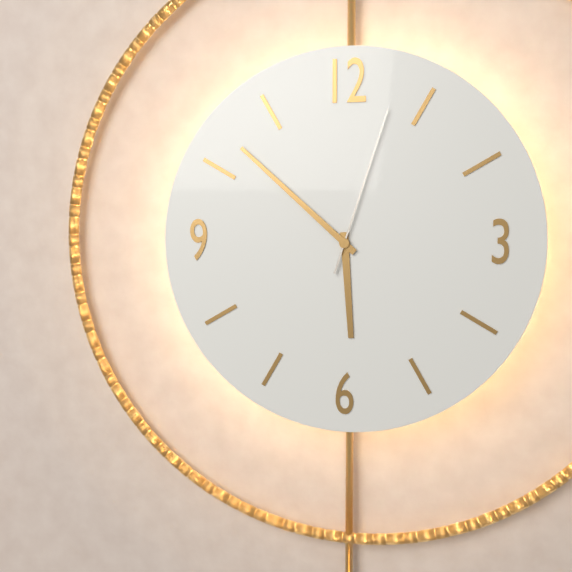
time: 5:52:03
